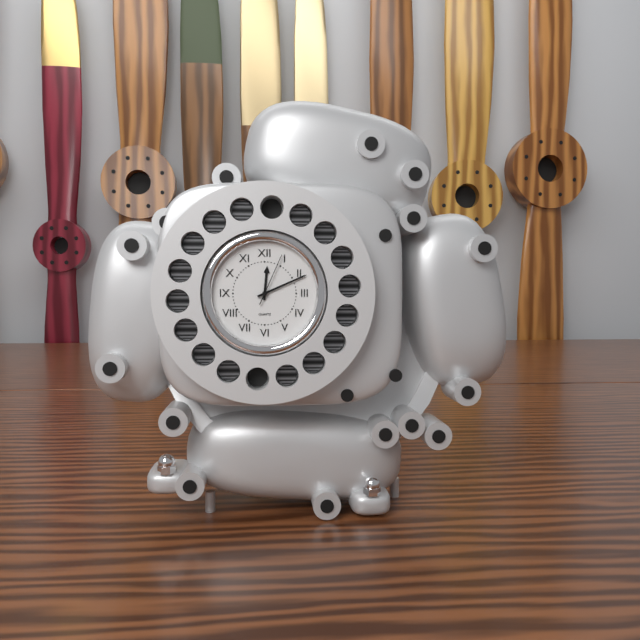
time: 12:11:04
